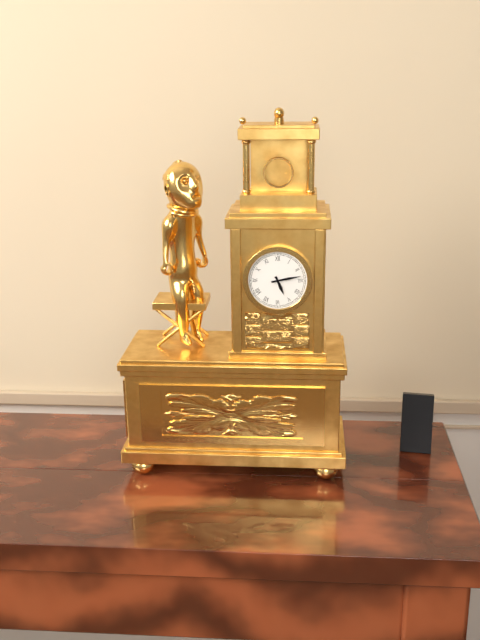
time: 5:13
